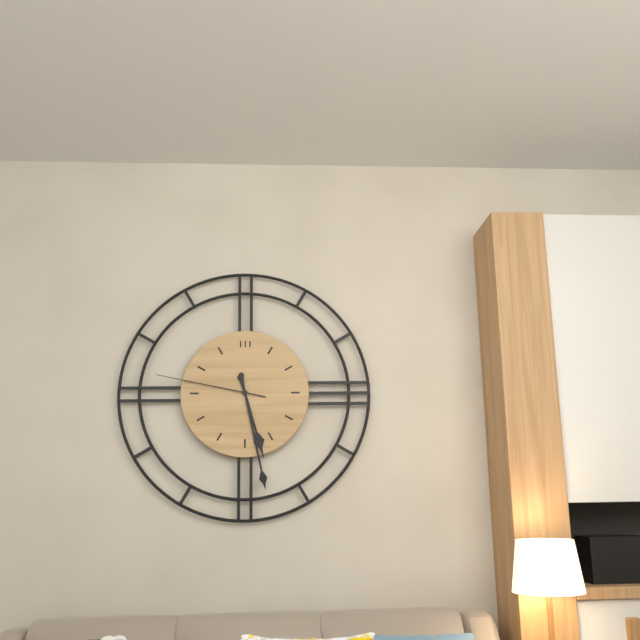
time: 5:28:47
